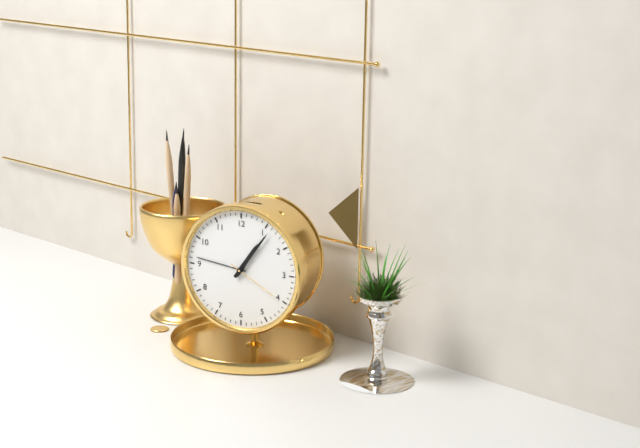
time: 1:06:20
